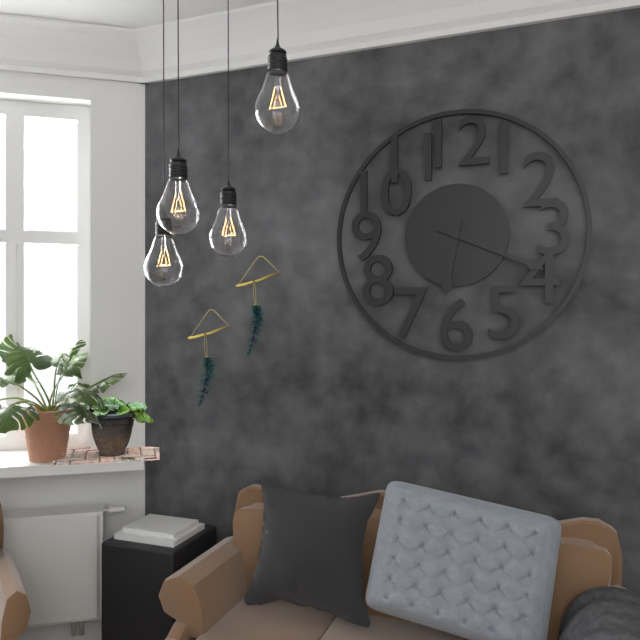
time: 6:19
